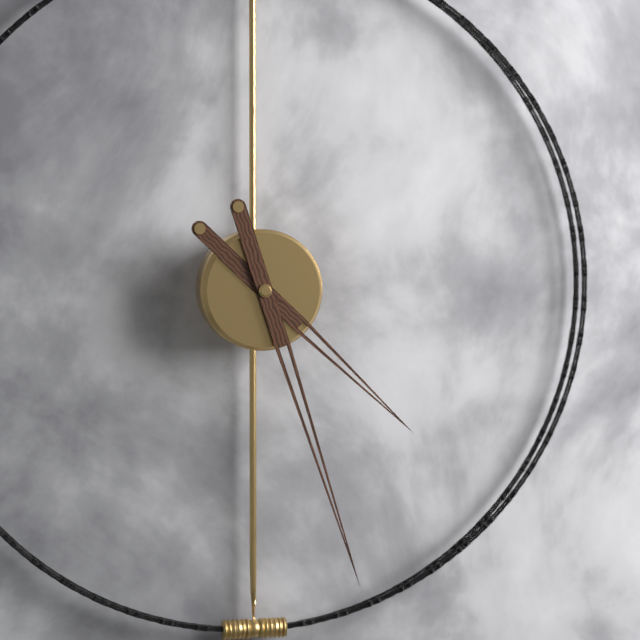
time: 4:27
